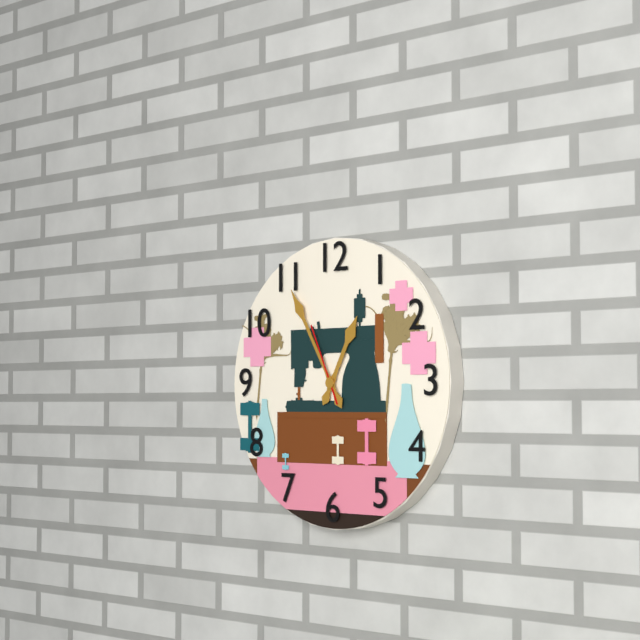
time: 12:55:56
